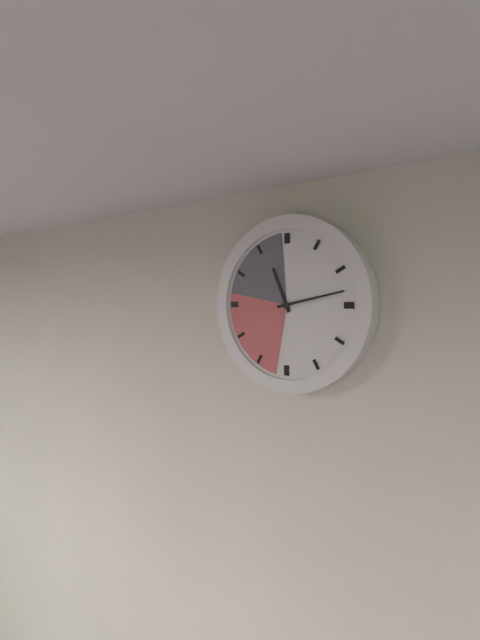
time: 11:13
